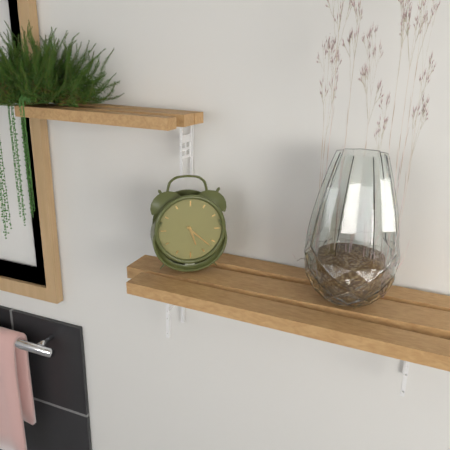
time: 5:22
